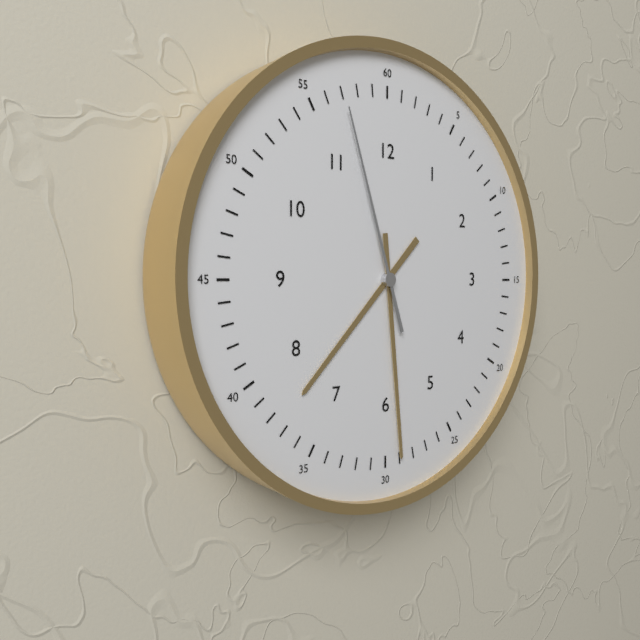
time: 7:29:57
